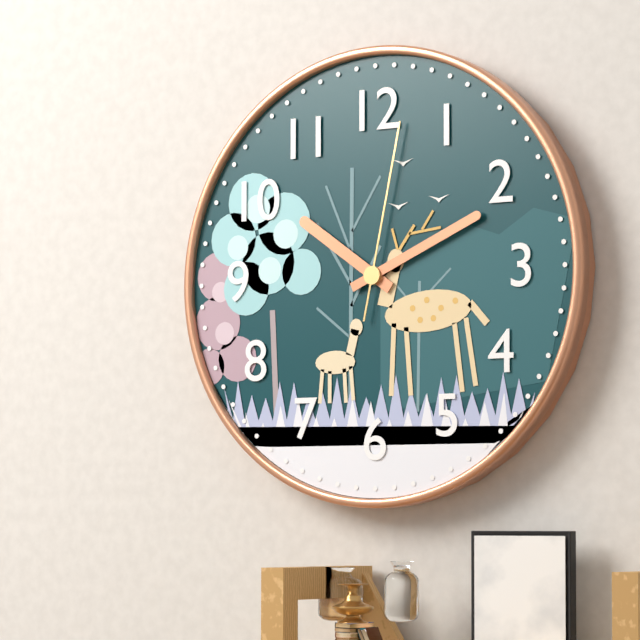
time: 10:11:02
